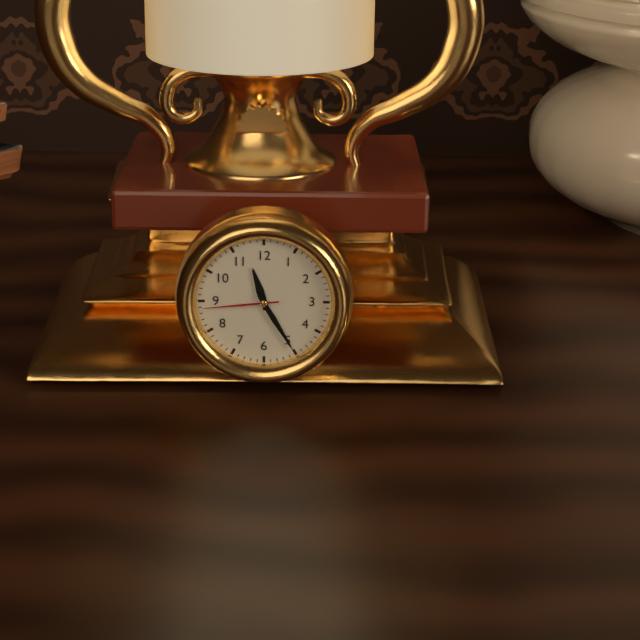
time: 11:25:44
